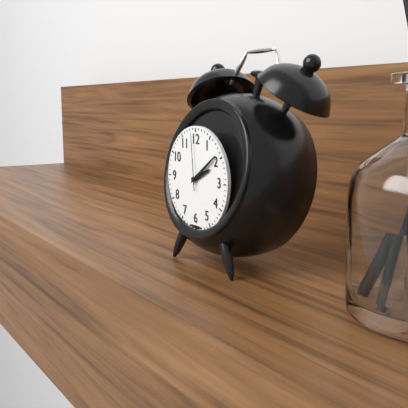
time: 2:09:59
